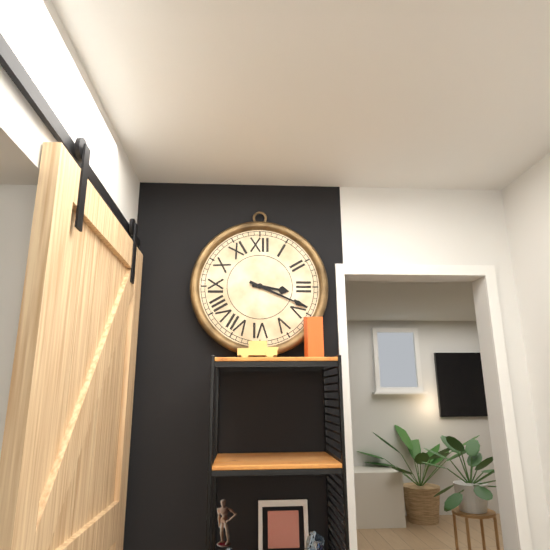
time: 3:19
